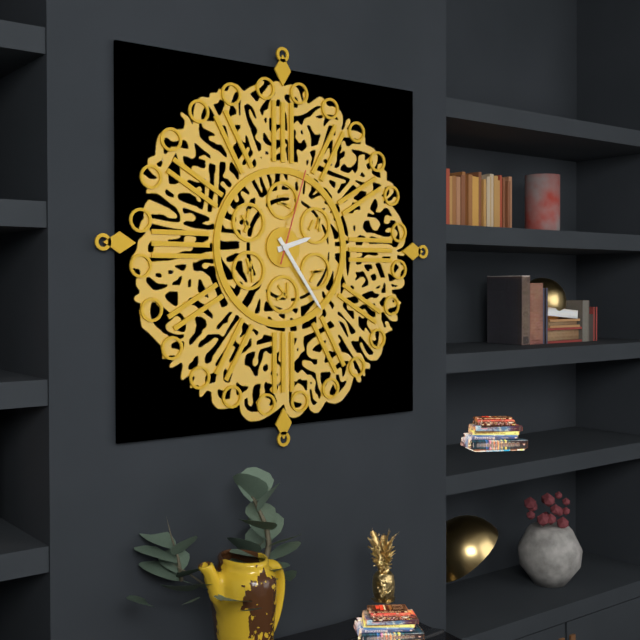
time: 2:24:03
